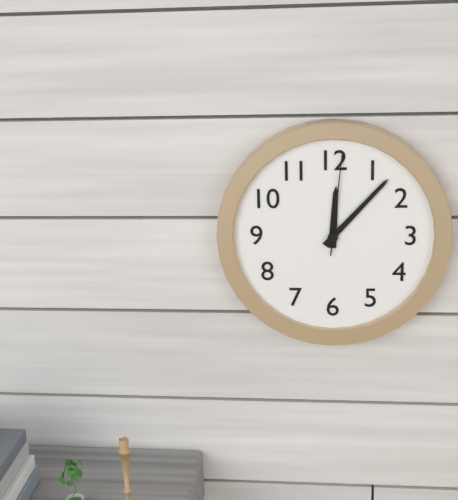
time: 12:07:01
